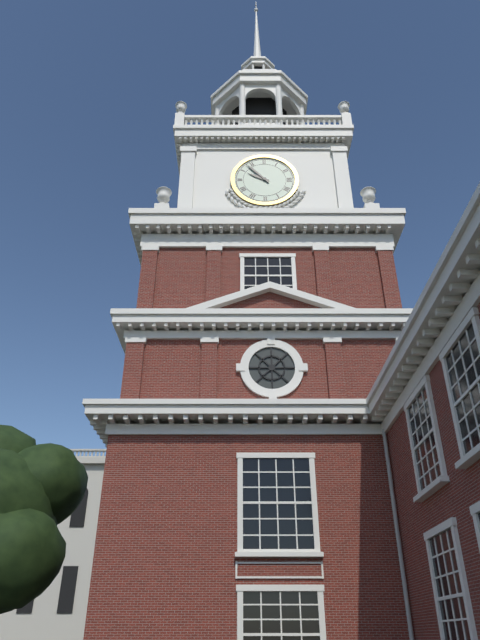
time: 9:53
